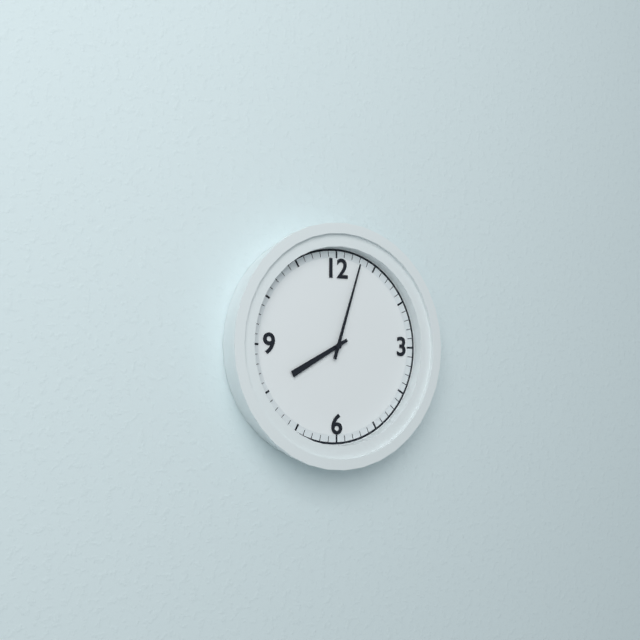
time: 8:03
